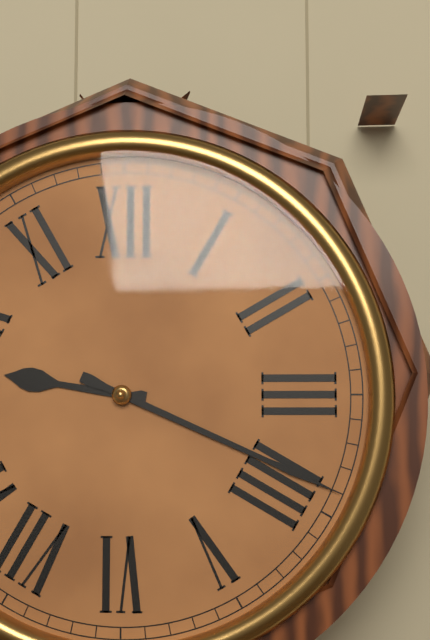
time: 9:19
